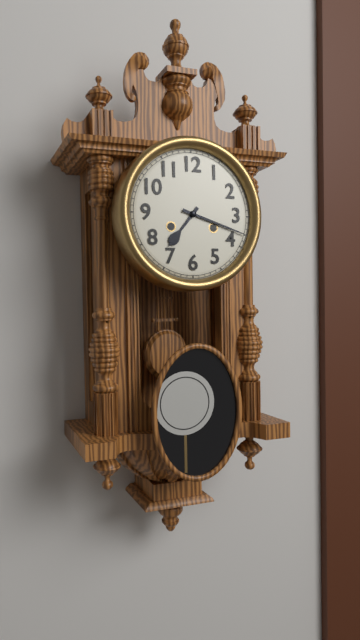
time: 7:18
